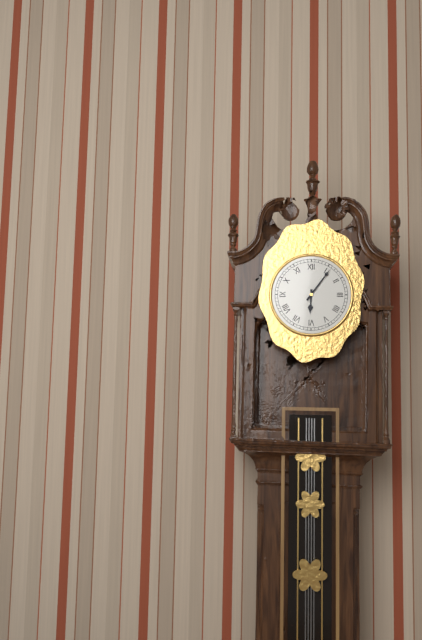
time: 6:06
